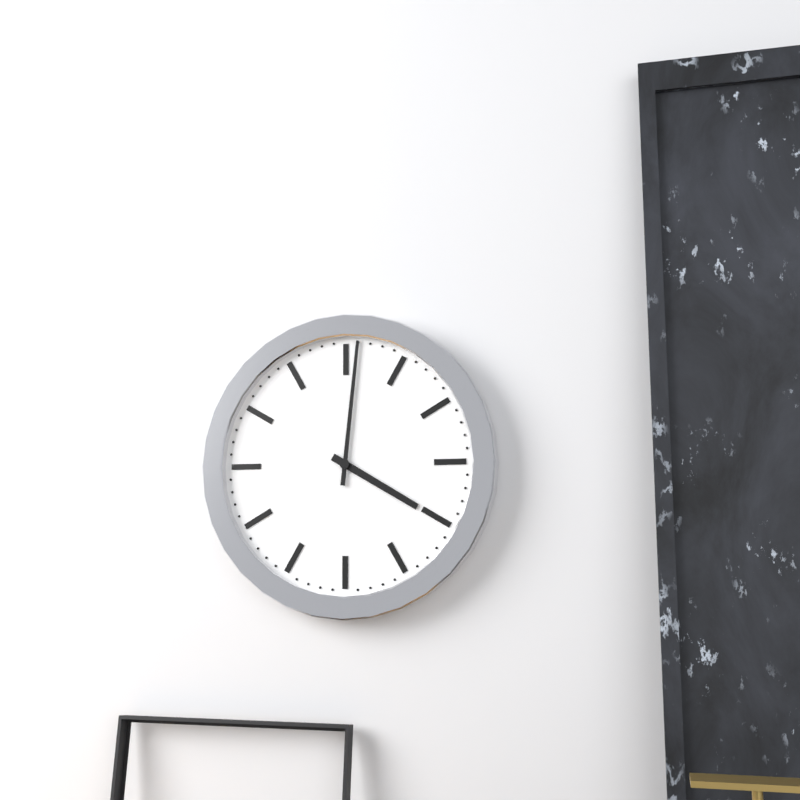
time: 4:01
